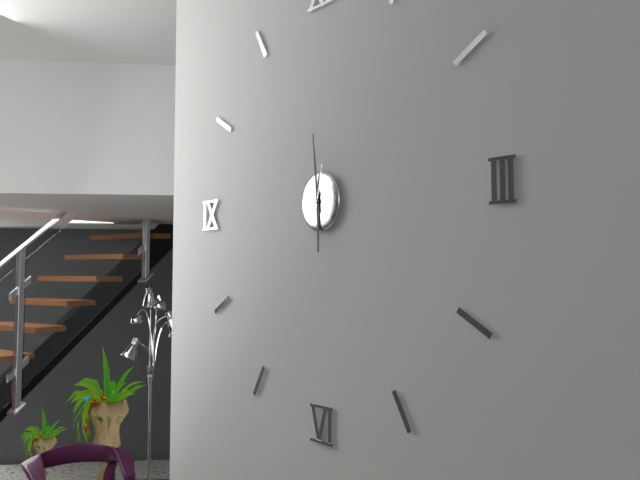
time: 5:59
